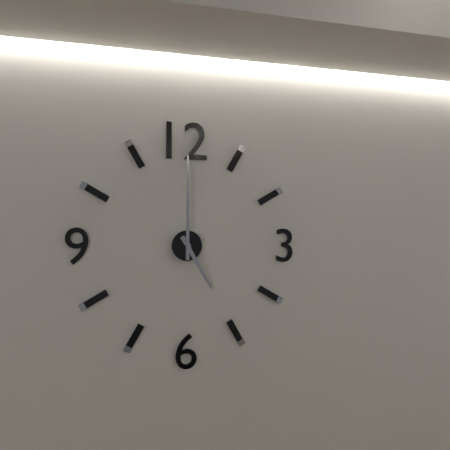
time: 5:00
